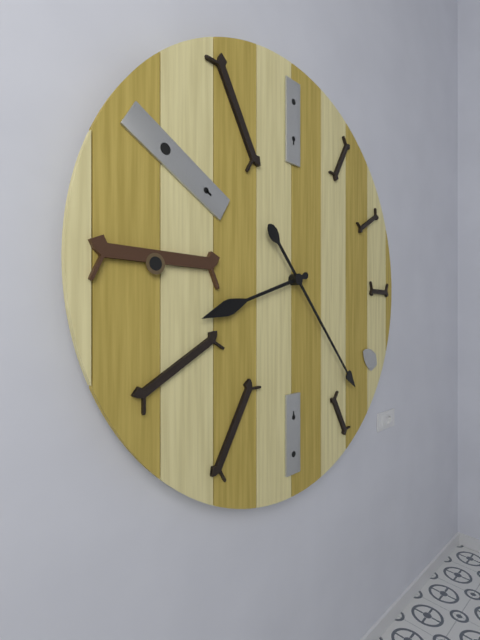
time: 8:23
